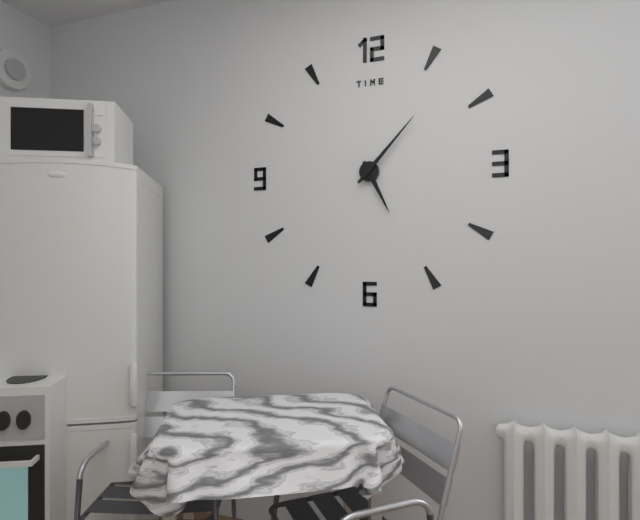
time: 5:07
